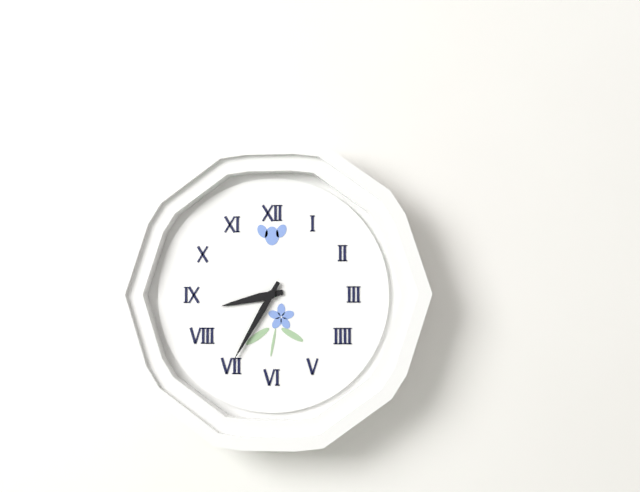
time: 8:35
